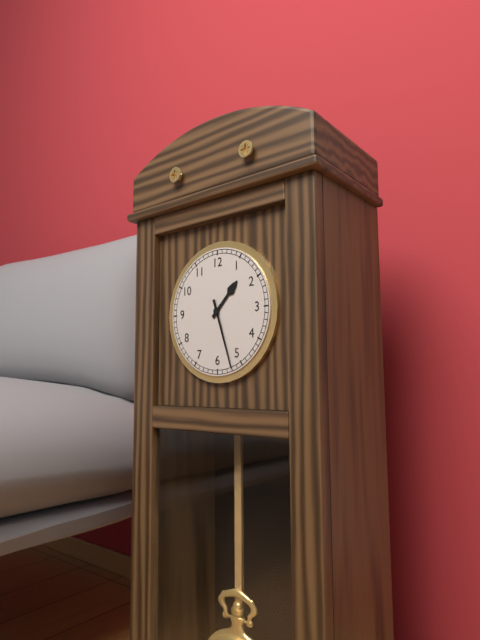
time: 1:27
